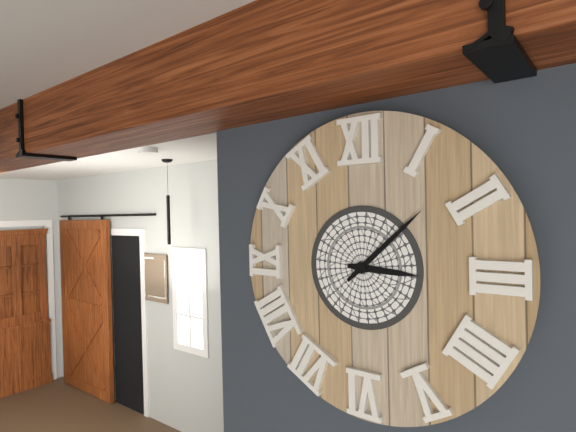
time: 3:08
